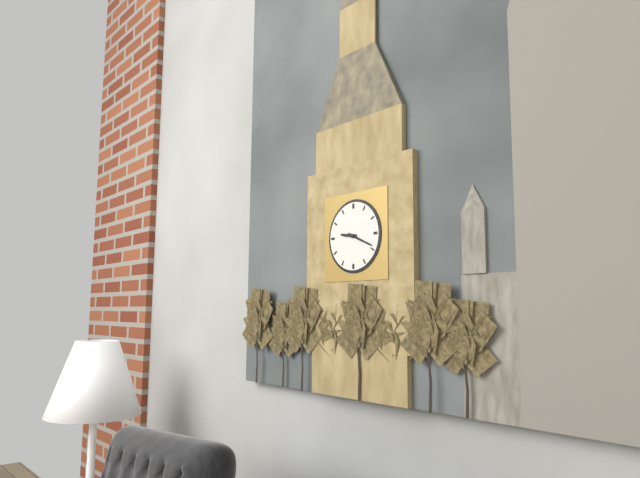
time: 9:19
